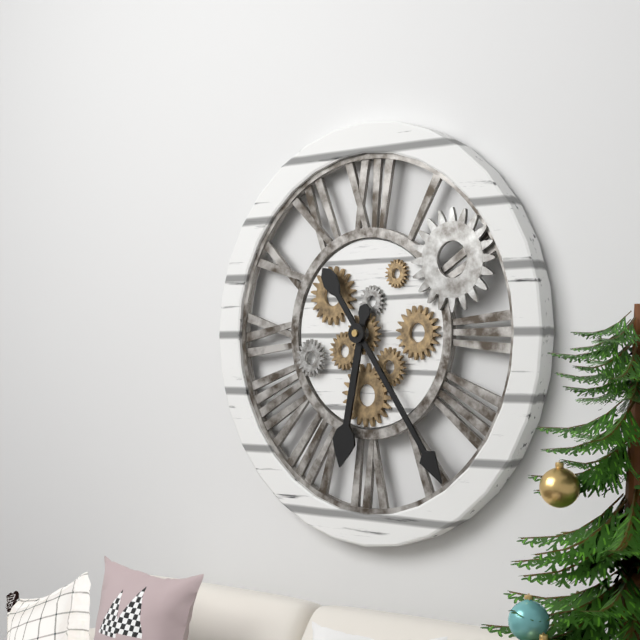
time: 6:24
